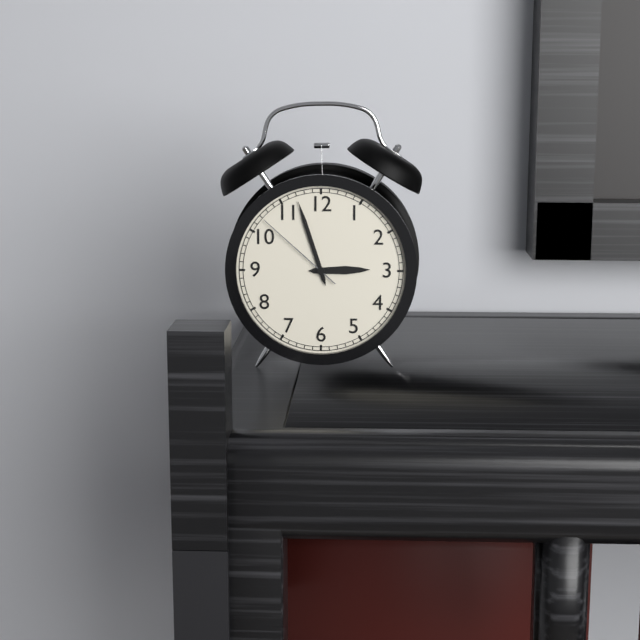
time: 2:57:52
